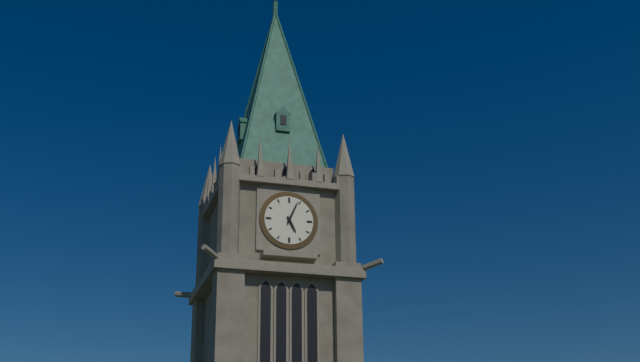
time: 5:04
